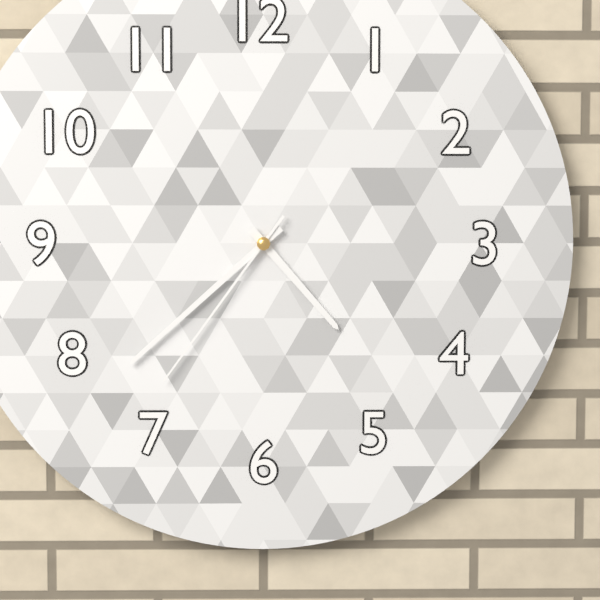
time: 4:38:36
